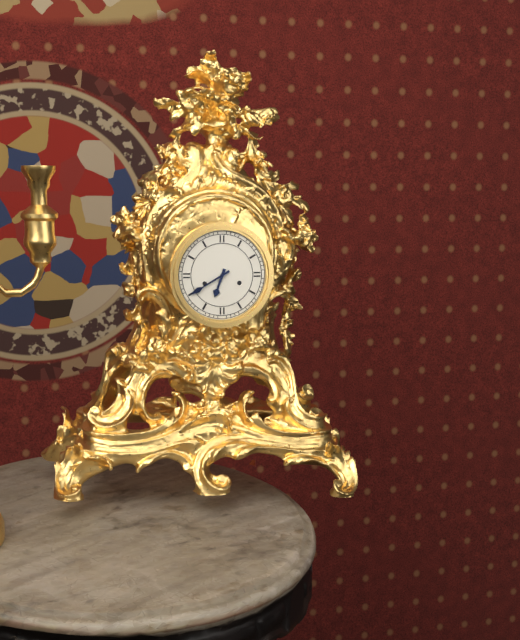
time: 6:40
